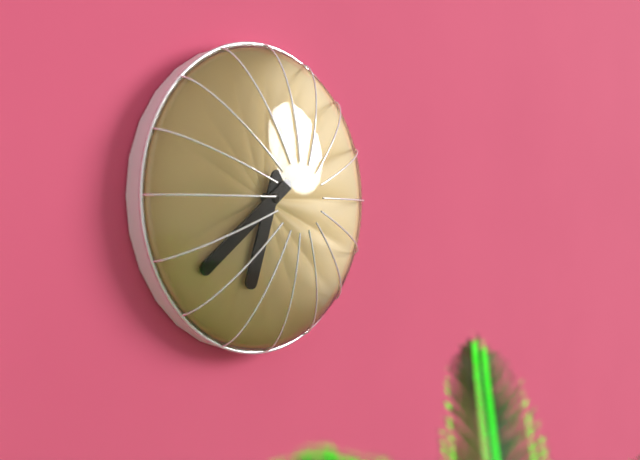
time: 6:39
